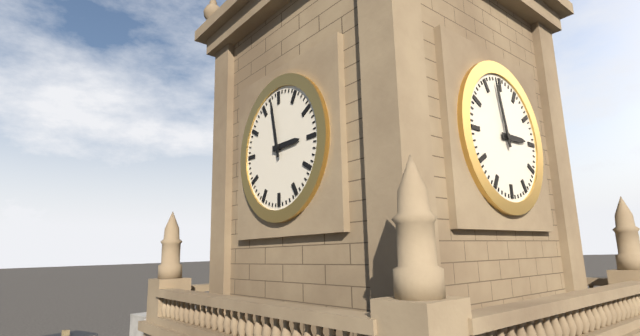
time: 2:58
